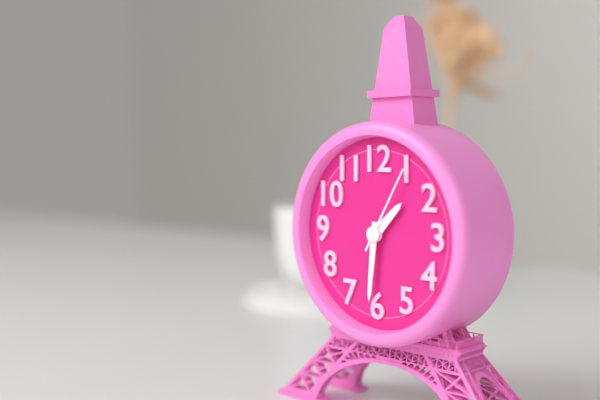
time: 1:31:05
